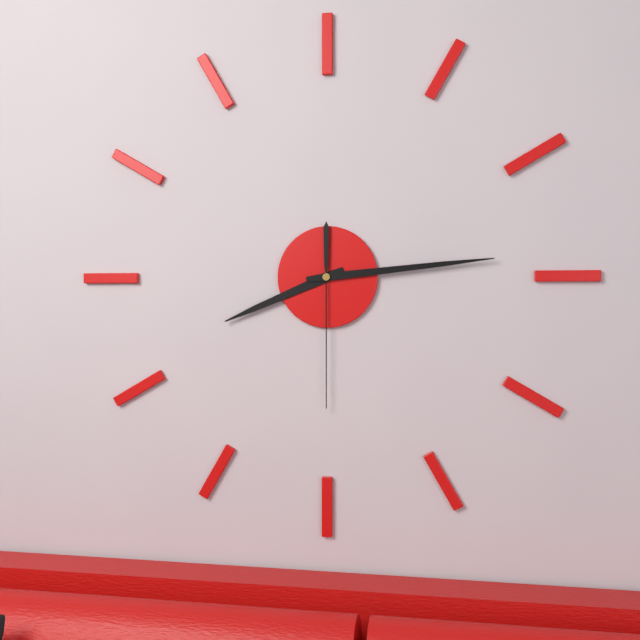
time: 8:14:30
